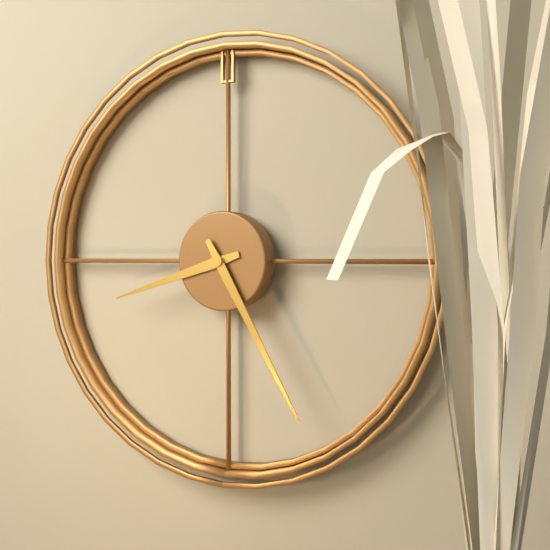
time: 8:25
